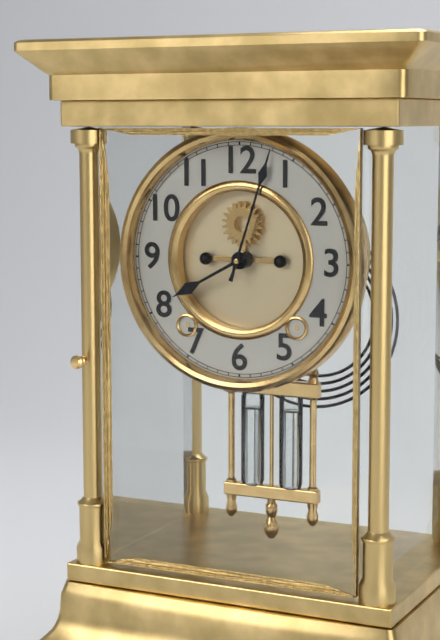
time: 8:03
